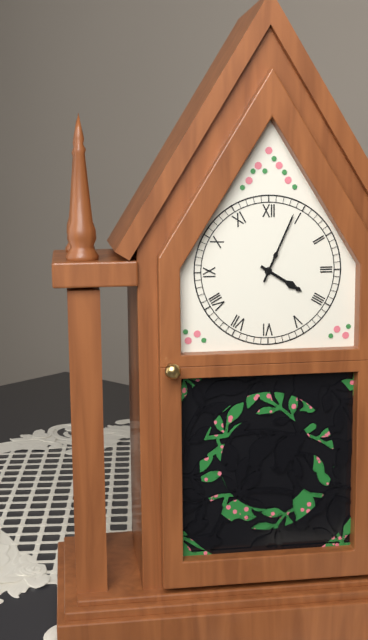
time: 4:04
